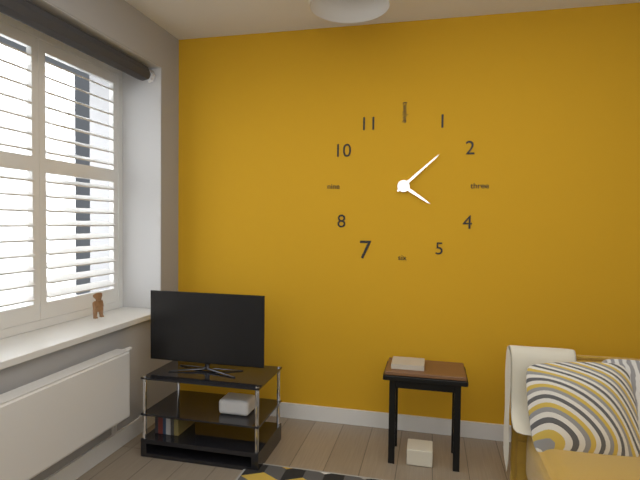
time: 4:08
